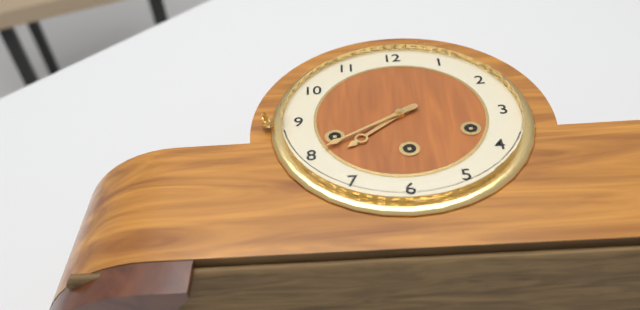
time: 7:40
